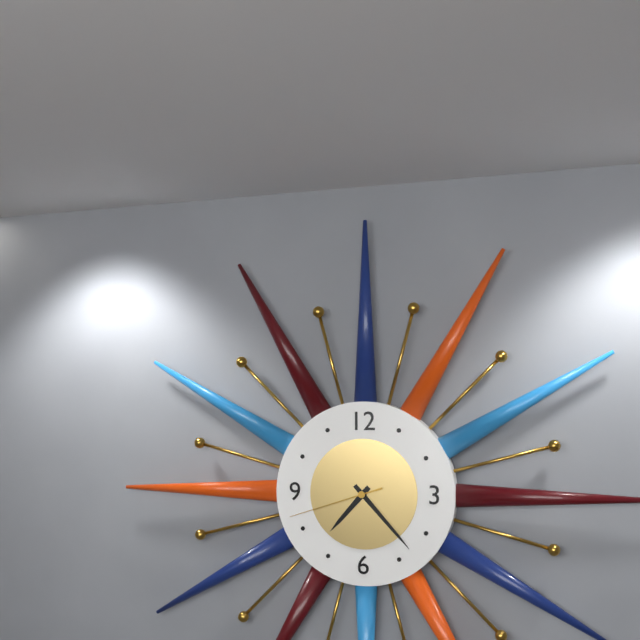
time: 7:23:42
